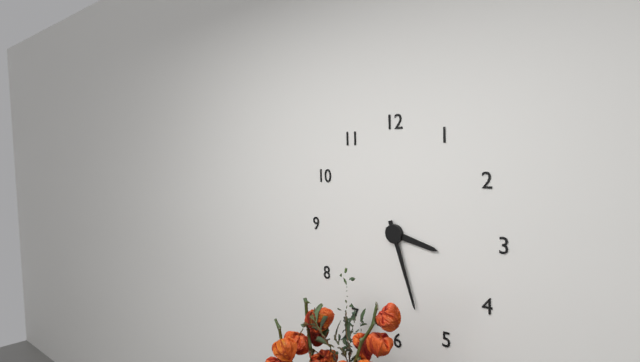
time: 3:27
